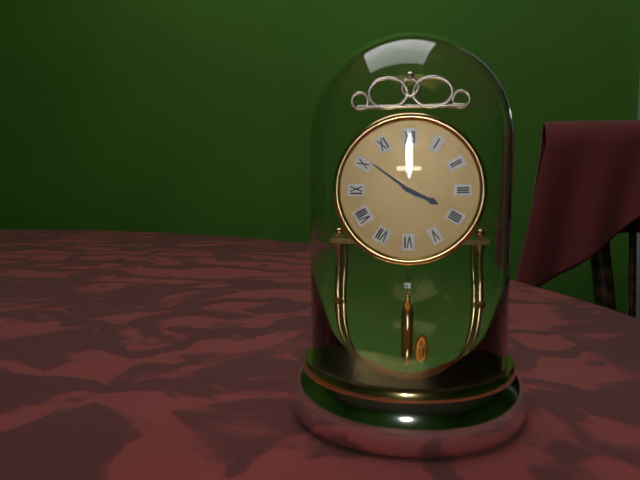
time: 3:51
